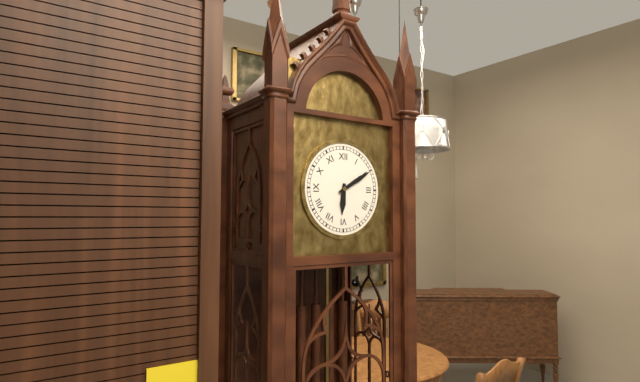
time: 6:10
